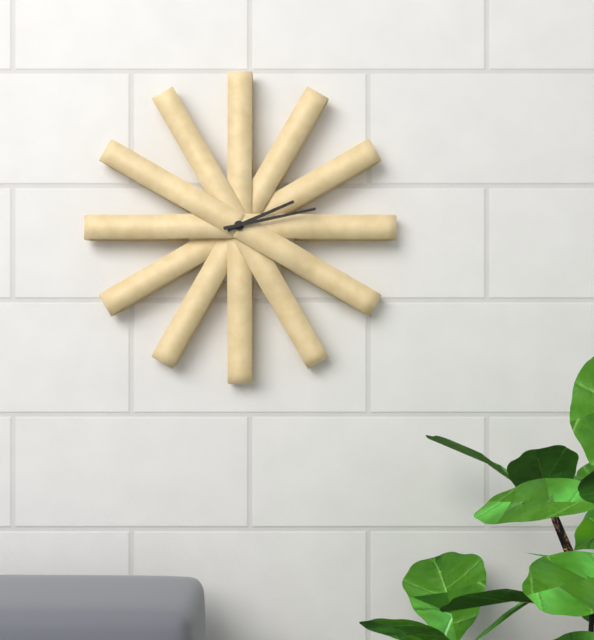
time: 2:13
